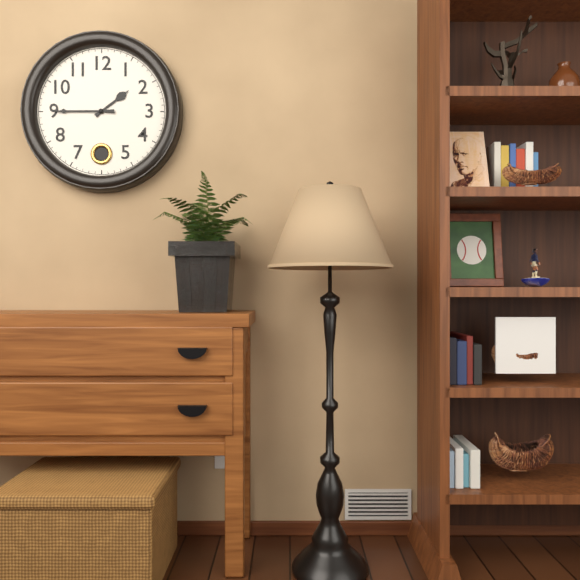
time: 1:45
